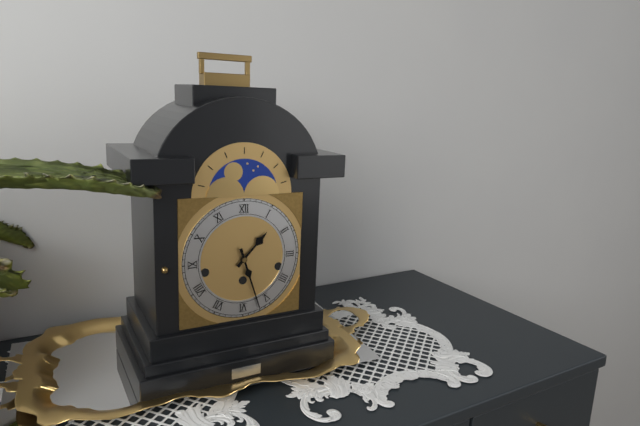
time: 1:27
